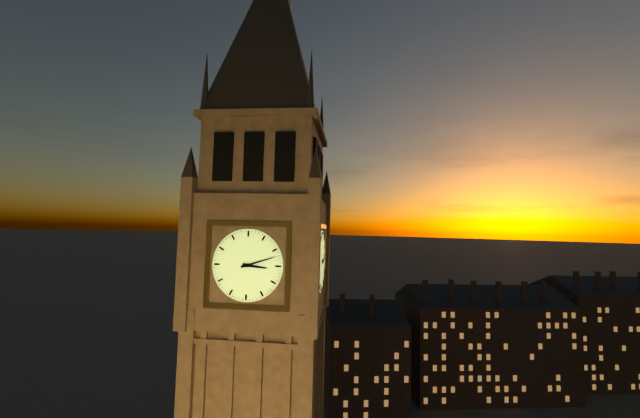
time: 3:12
